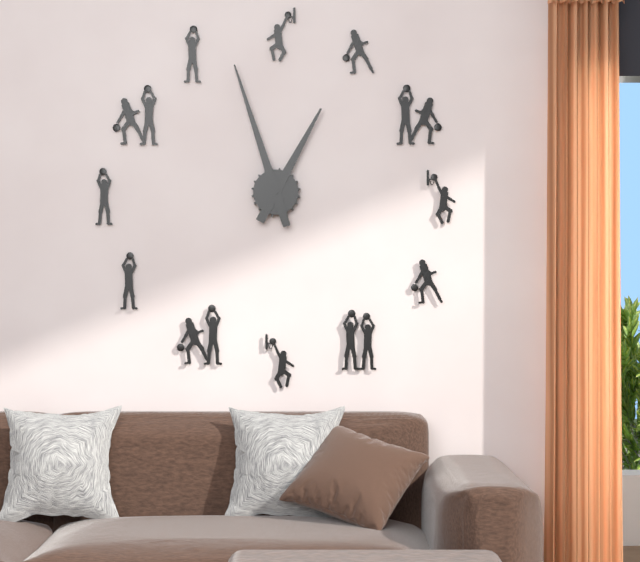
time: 12:57
